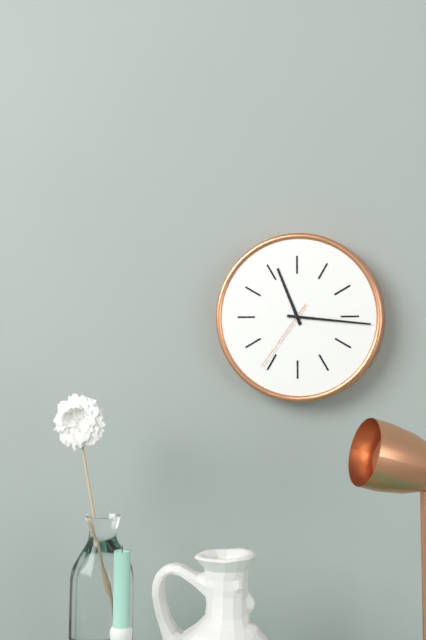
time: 11:16:36
